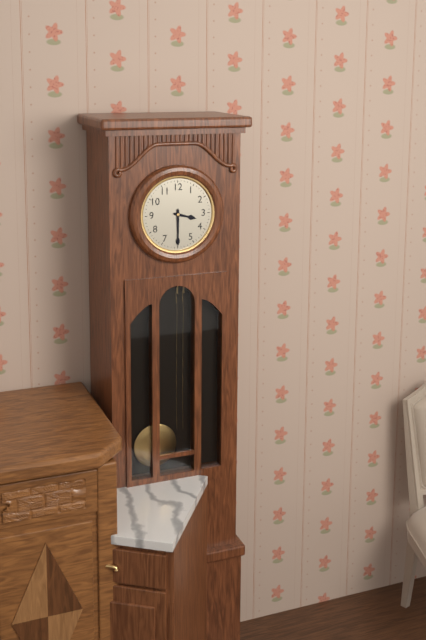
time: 3:30
